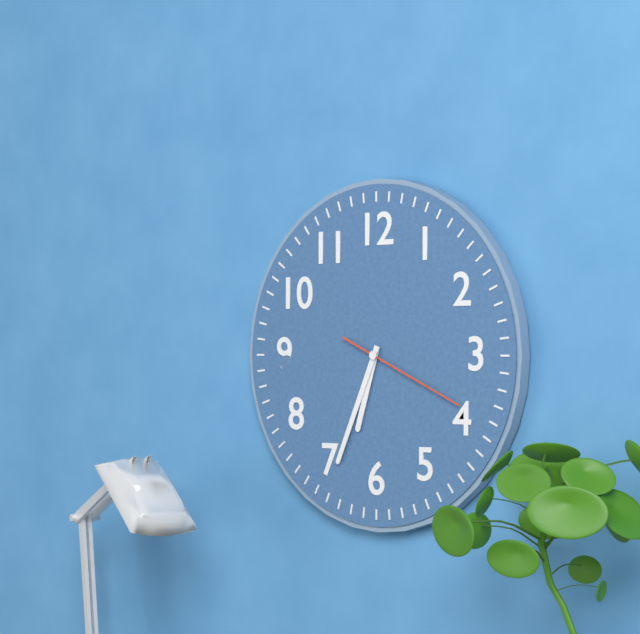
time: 6:34:19
